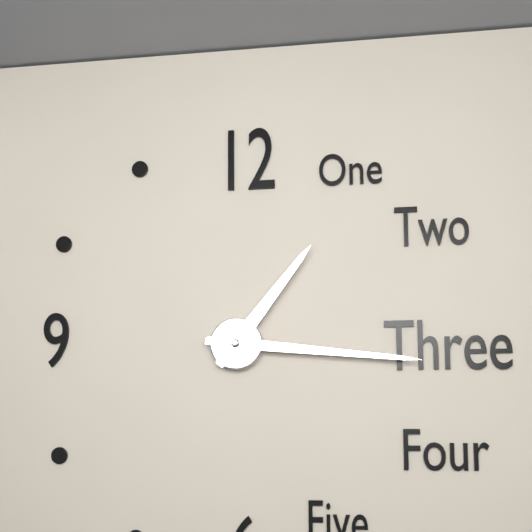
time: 1:16
